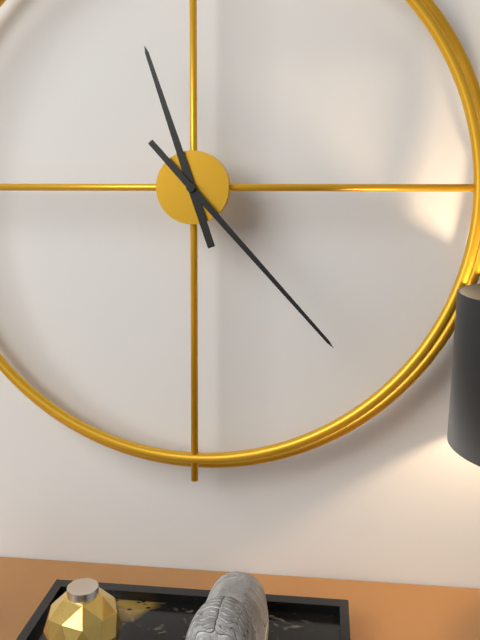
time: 11:23
